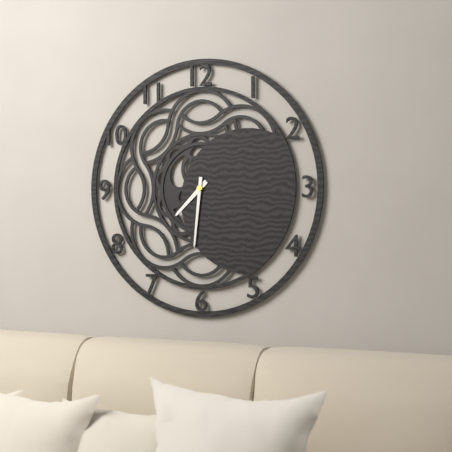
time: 7:31
